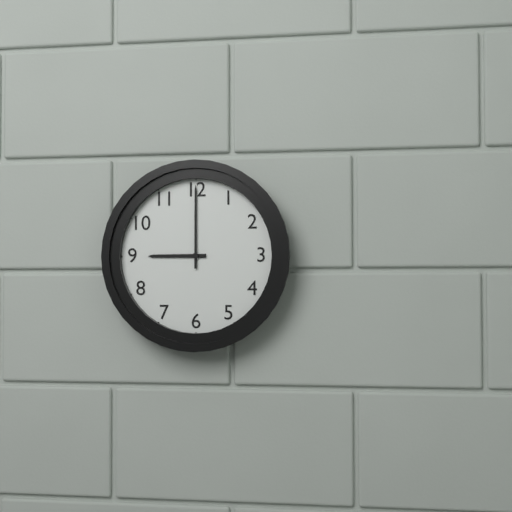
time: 9:00
